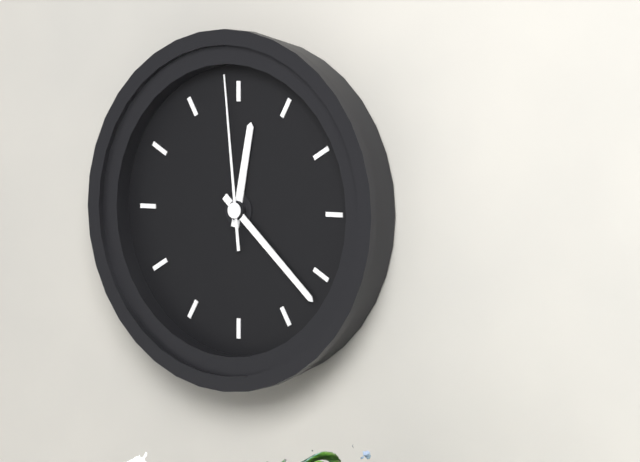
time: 12:22:59
